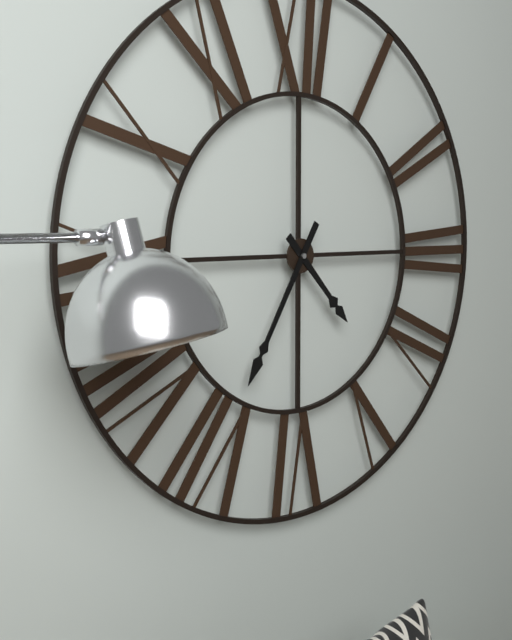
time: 4:35
